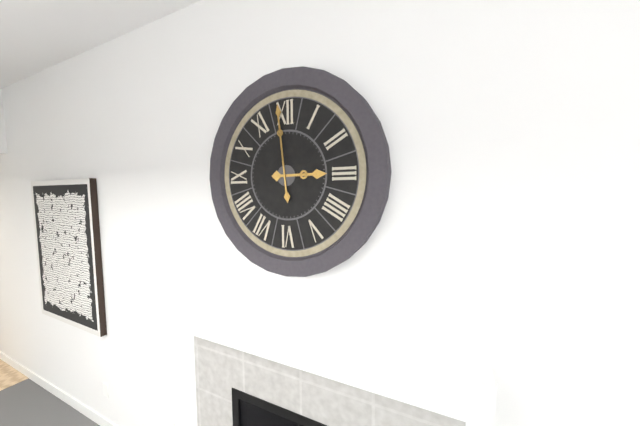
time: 2:59
